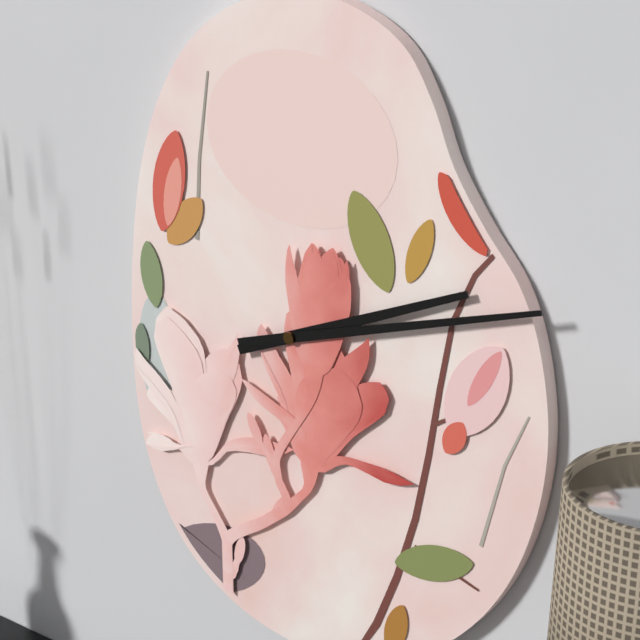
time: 2:12
